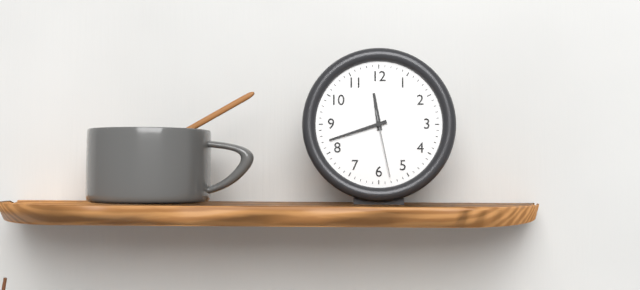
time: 11:42:28
